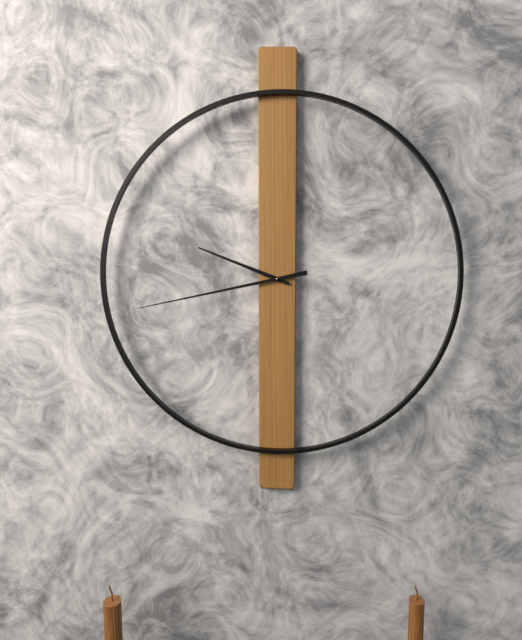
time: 9:43
